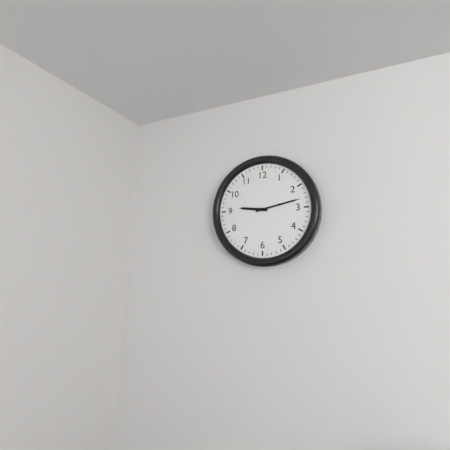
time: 9:13
